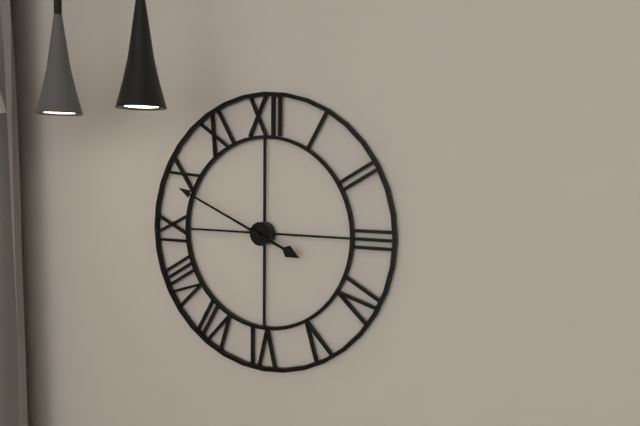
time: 3:49
